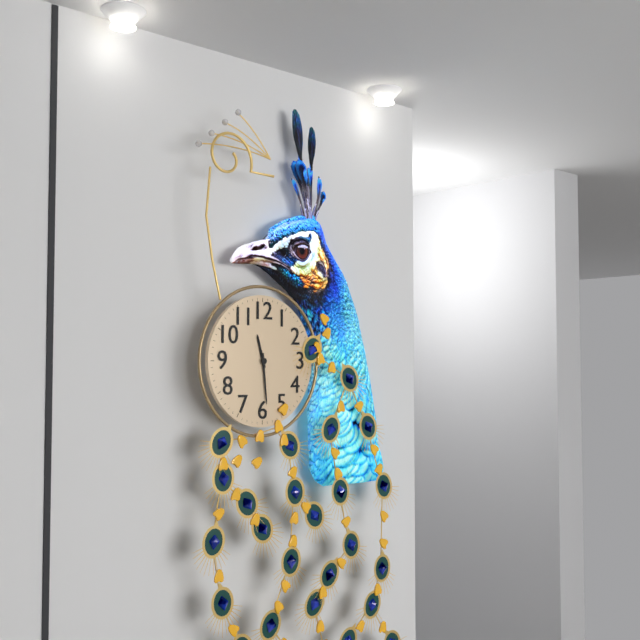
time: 11:29
